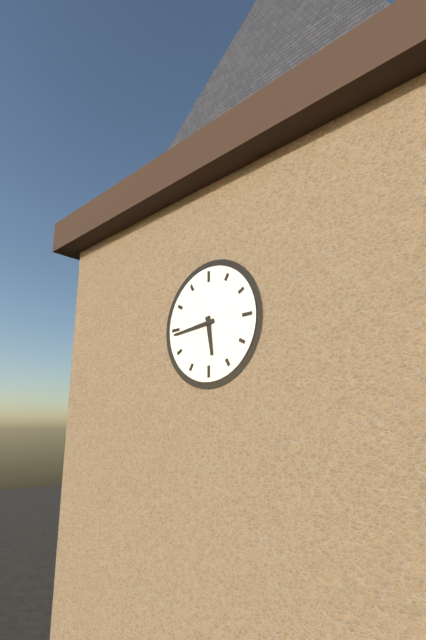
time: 5:44
